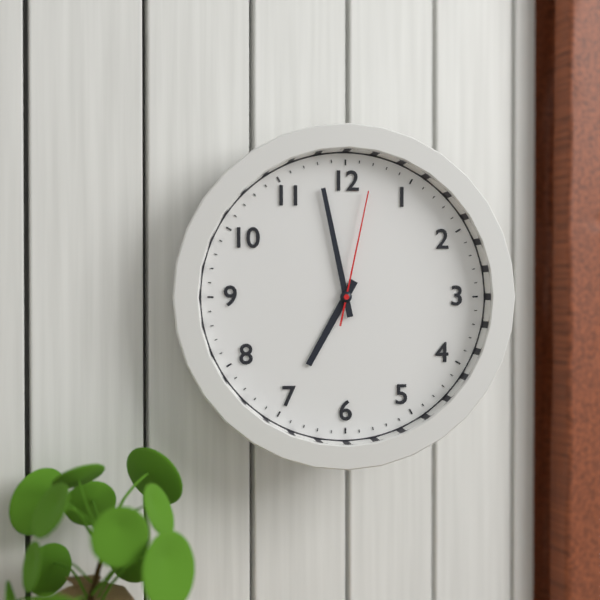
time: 6:58:02
